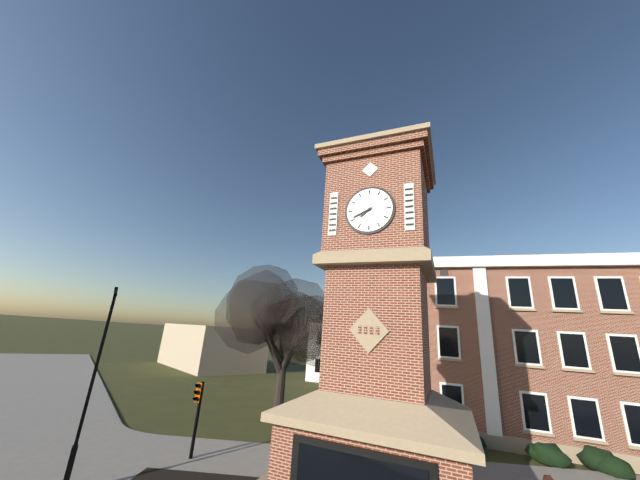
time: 7:41
